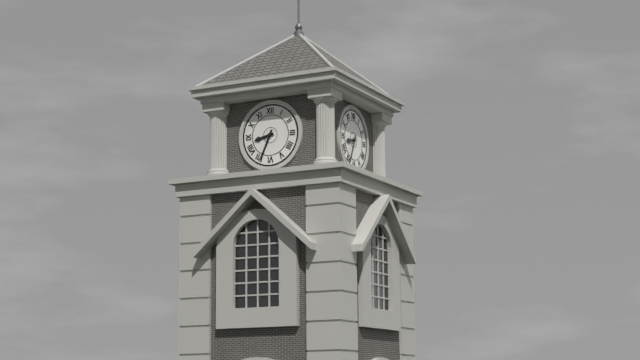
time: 8:34
